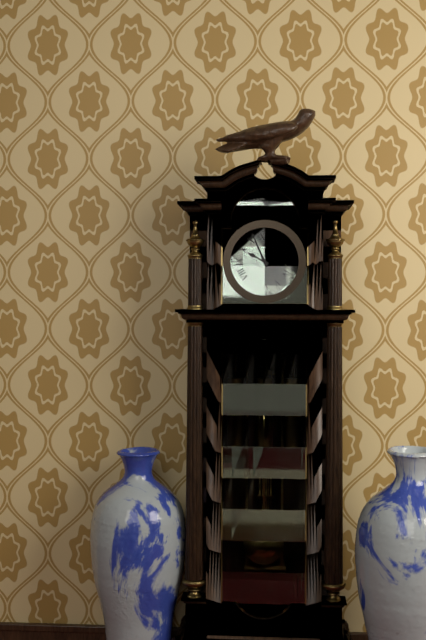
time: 9:56
